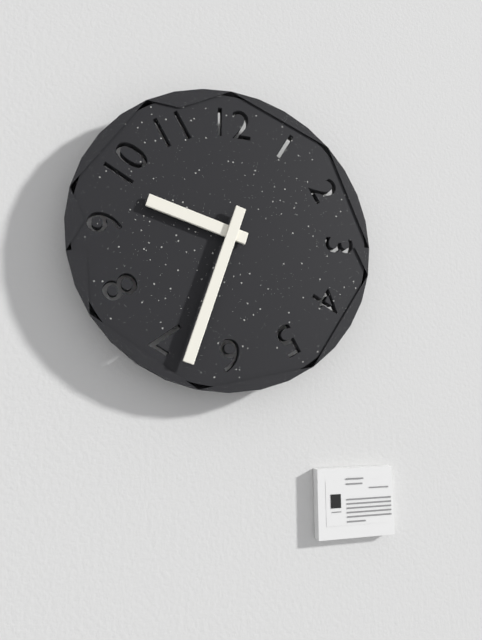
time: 9:33
